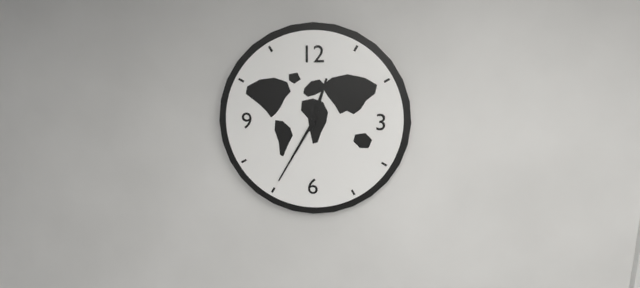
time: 12:35
